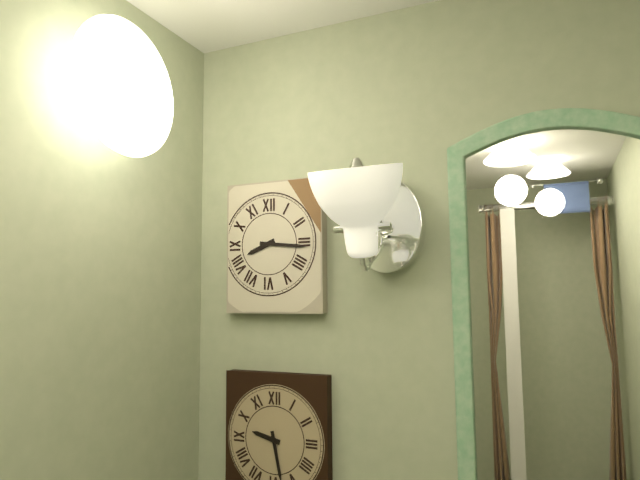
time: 8:16
